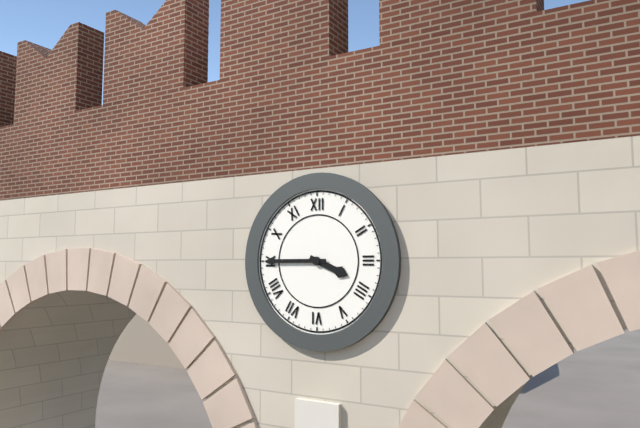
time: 3:45
